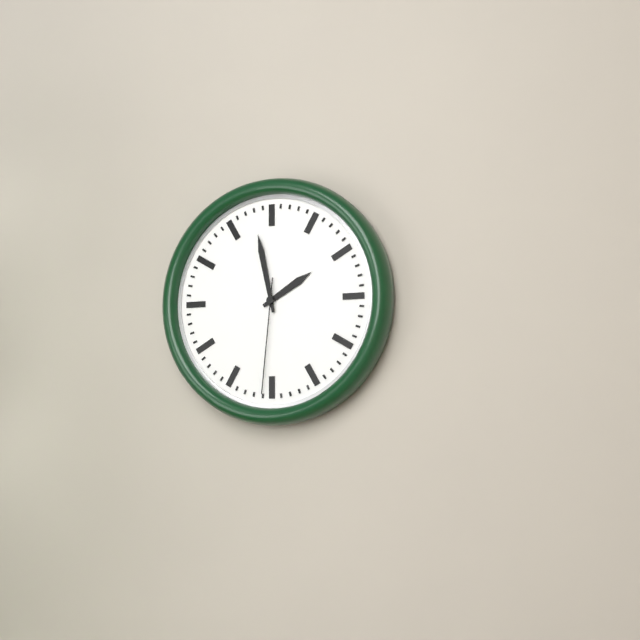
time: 1:58:31
